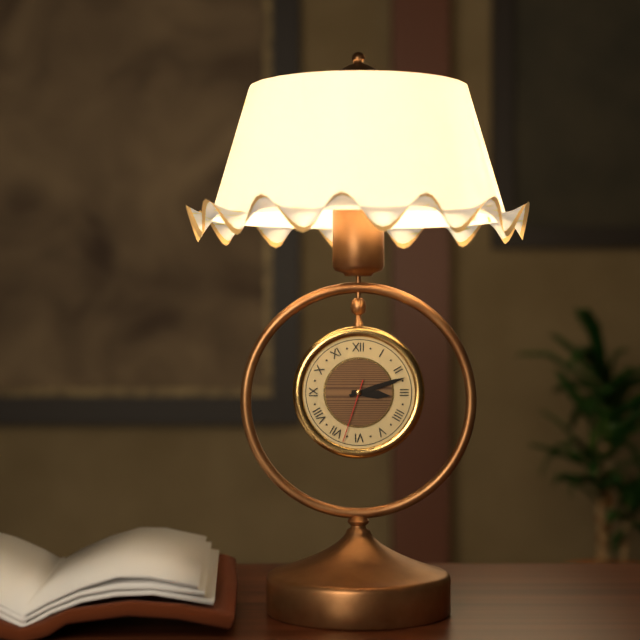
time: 3:12:33
